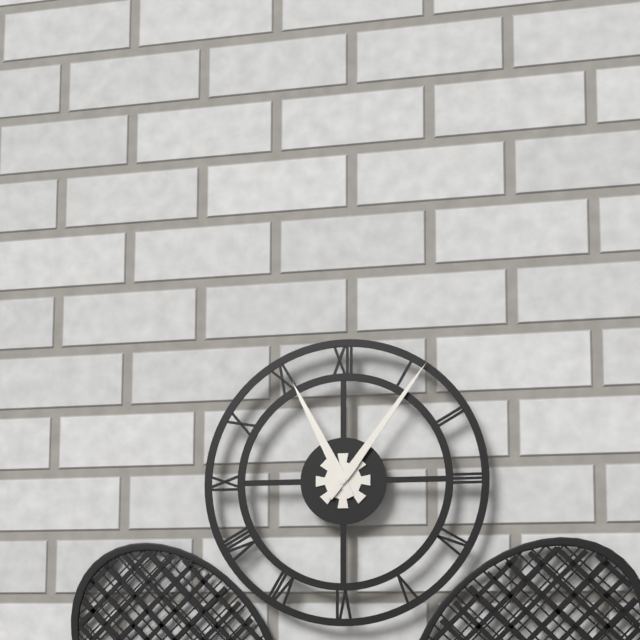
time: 11:06
